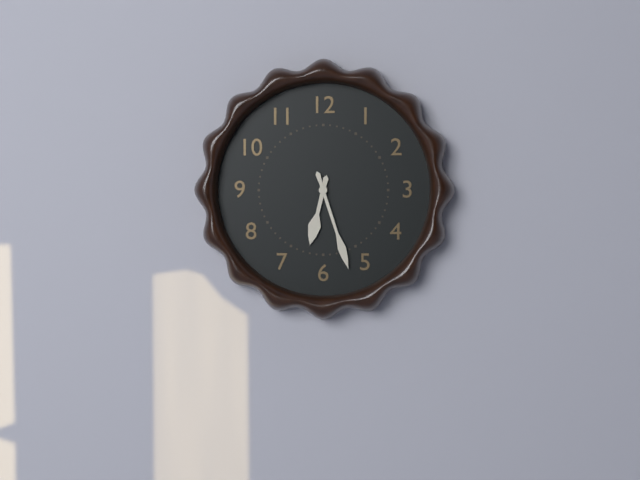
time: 6:27
